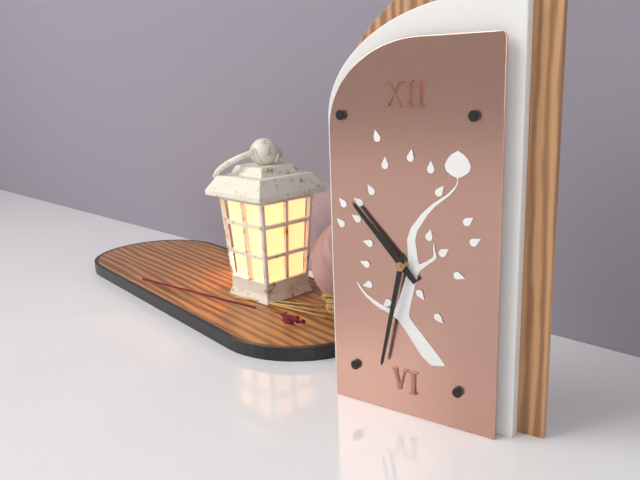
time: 10:32
